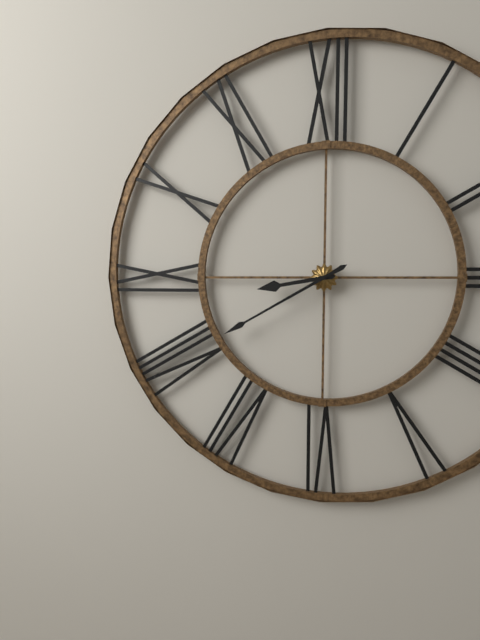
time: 8:40
